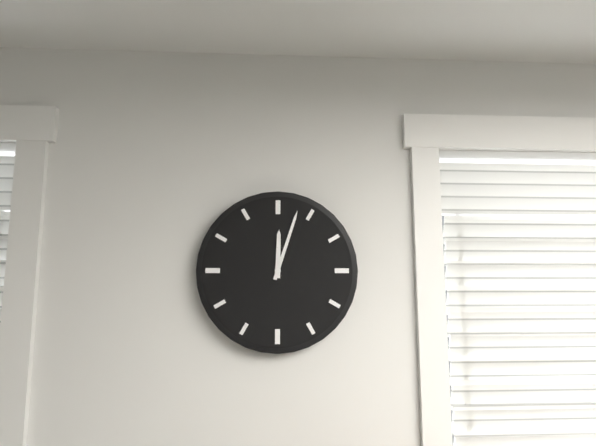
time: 12:03
